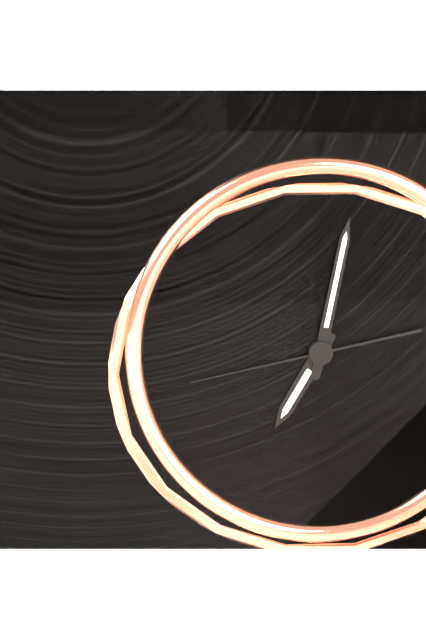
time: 7:02:43
